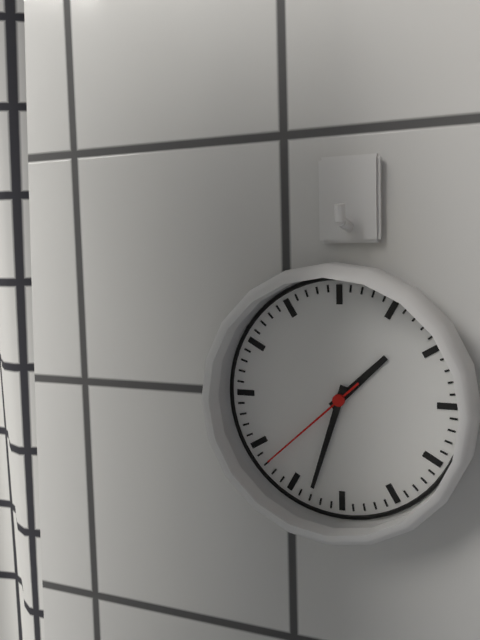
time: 1:33:38
